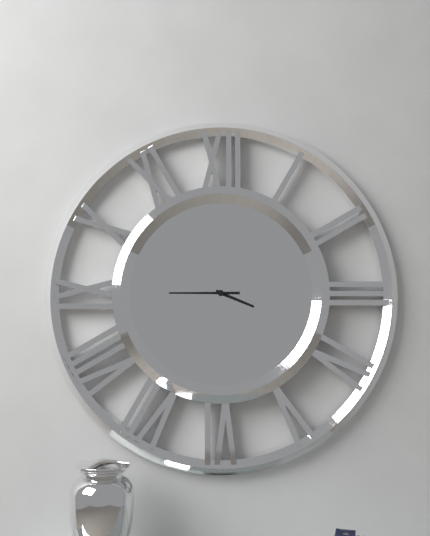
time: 3:45
